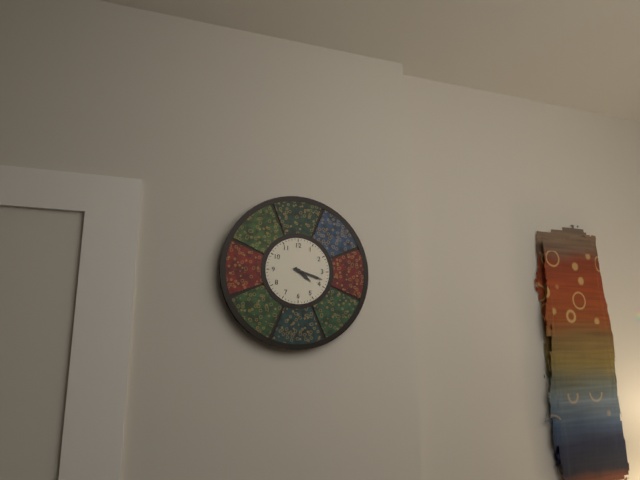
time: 4:18
